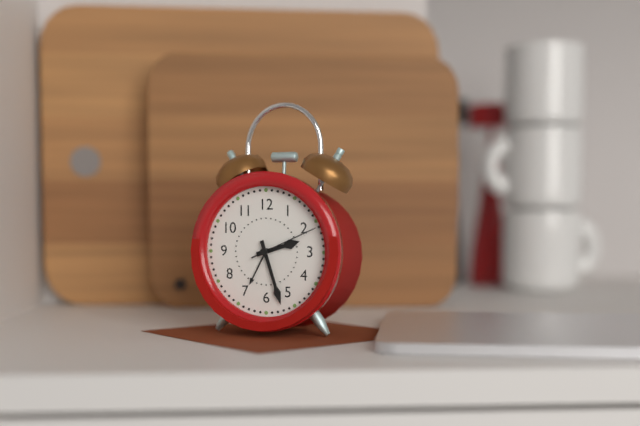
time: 2:27:11
